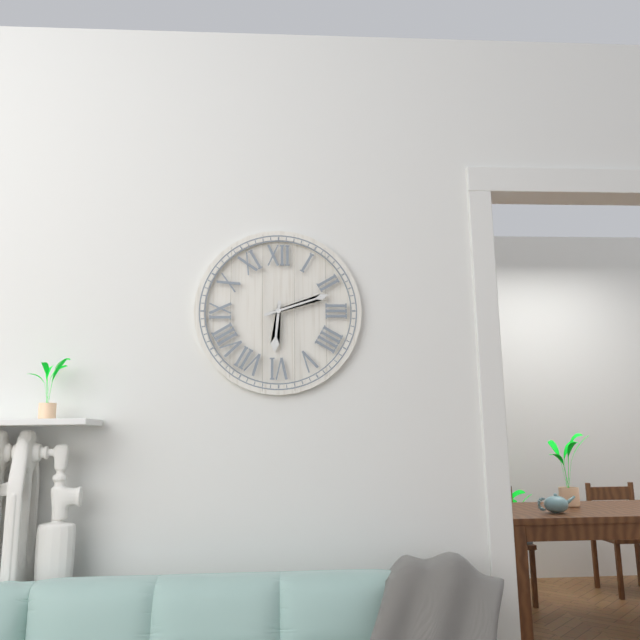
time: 6:12
